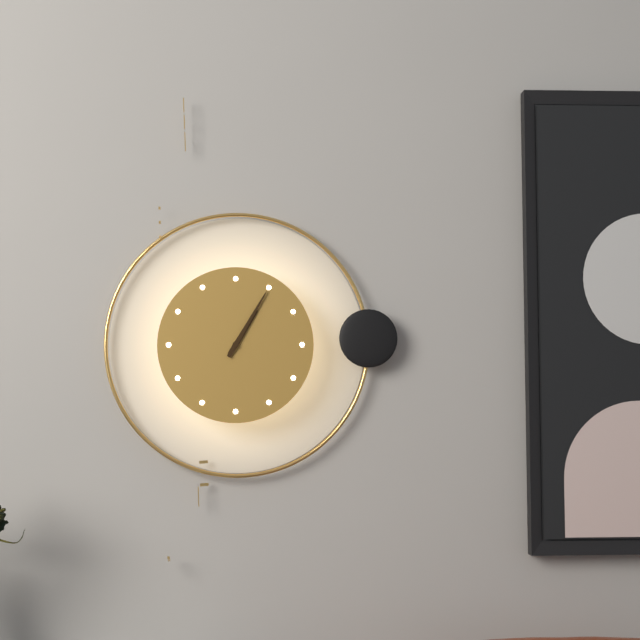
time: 1:05
